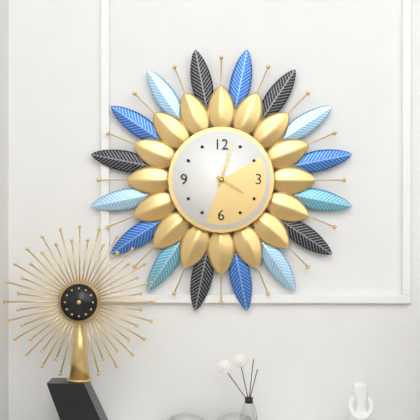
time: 4:03
